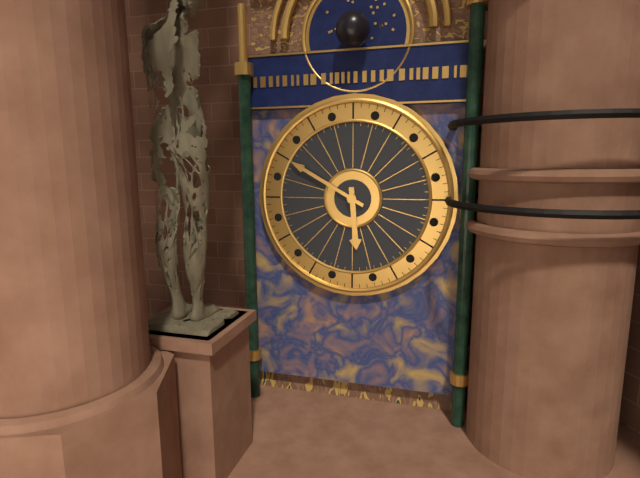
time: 5:50
